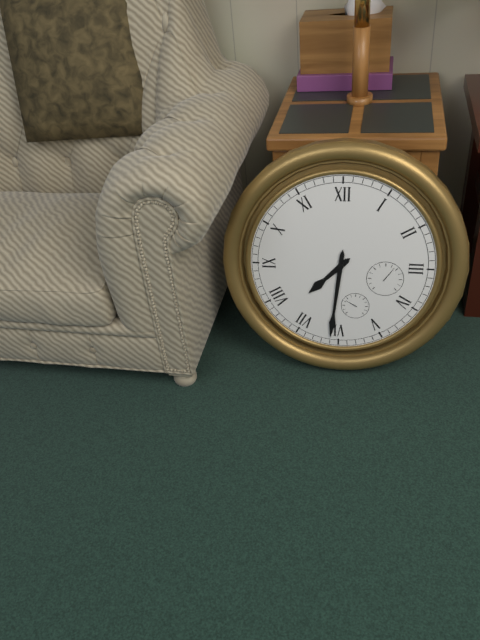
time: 7:31
